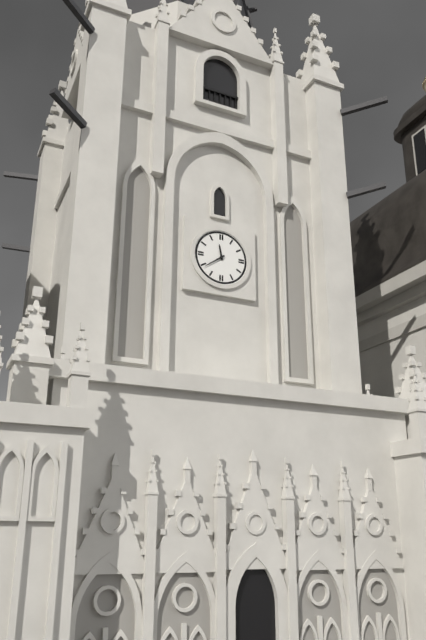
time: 11:39
